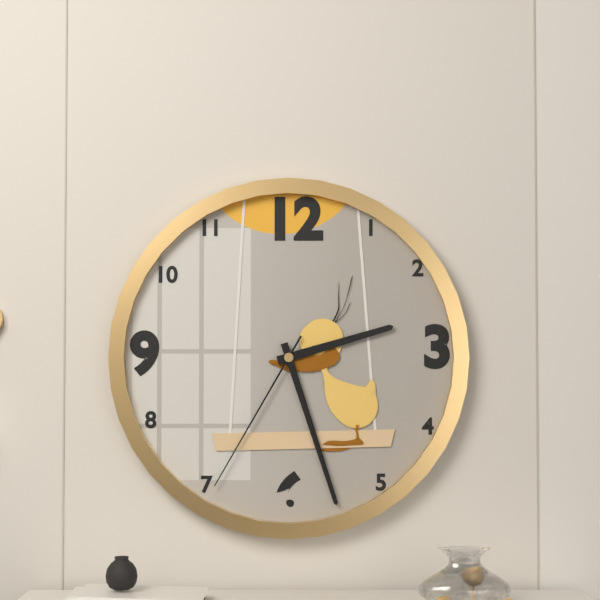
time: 2:27:35
